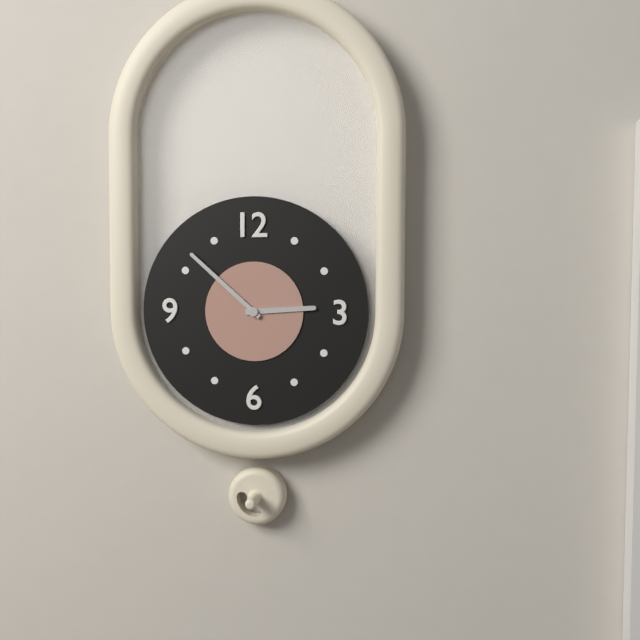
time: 2:52
